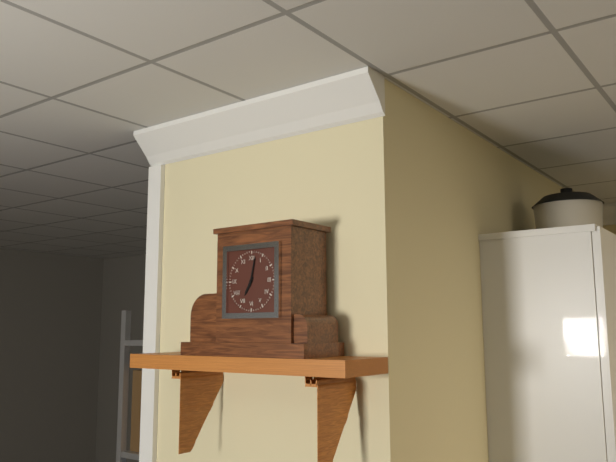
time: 7:02
